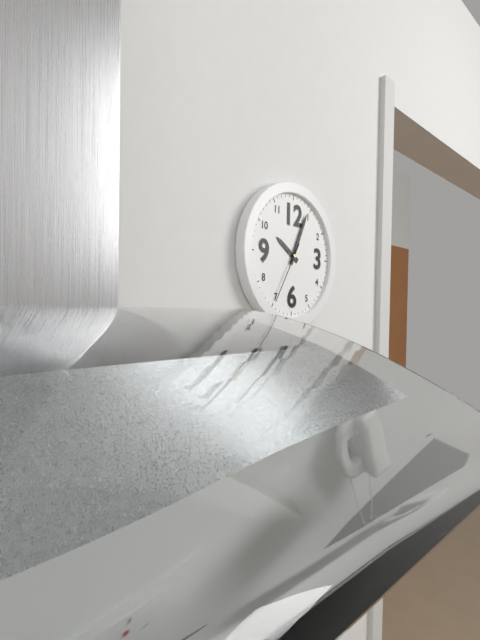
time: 10:04:35
